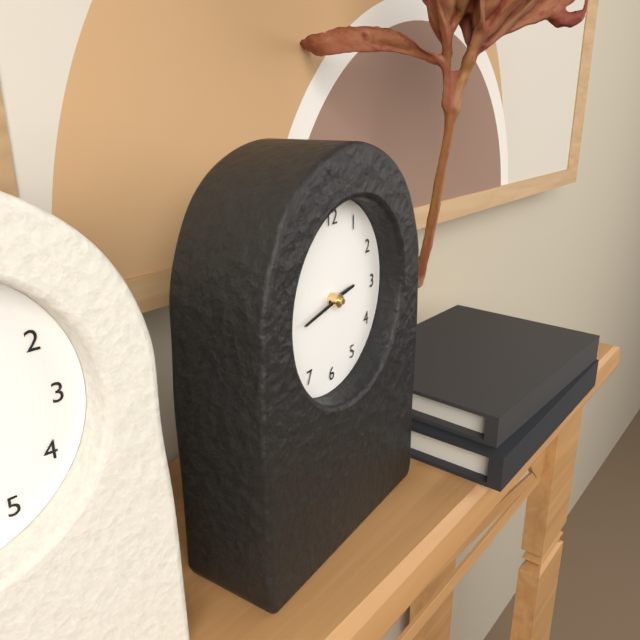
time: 2:43
